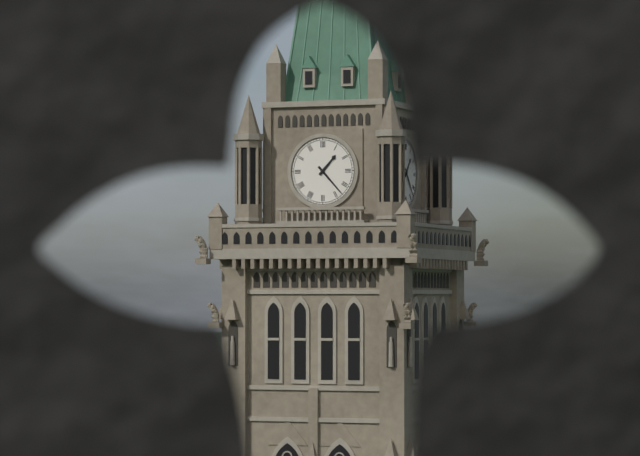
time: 1:23
